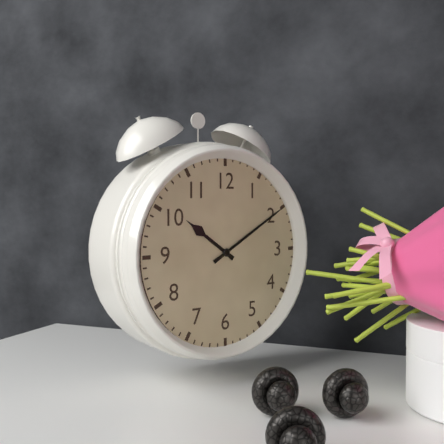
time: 10:10
